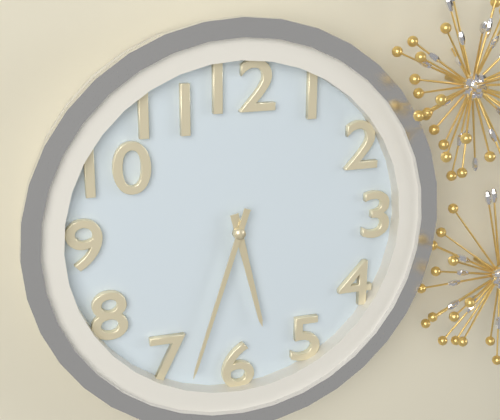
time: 5:33
